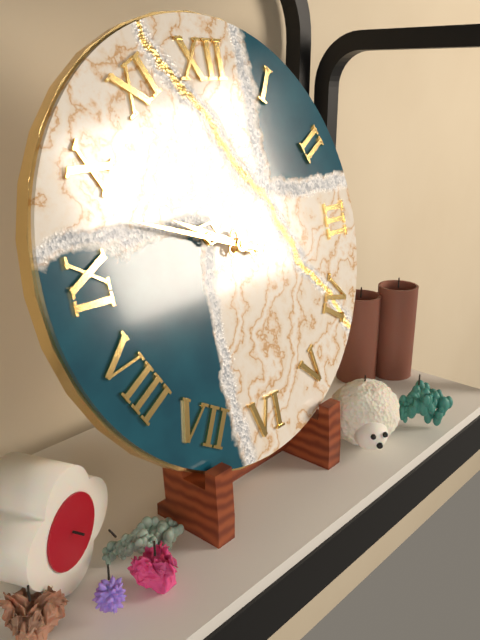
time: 9:48
